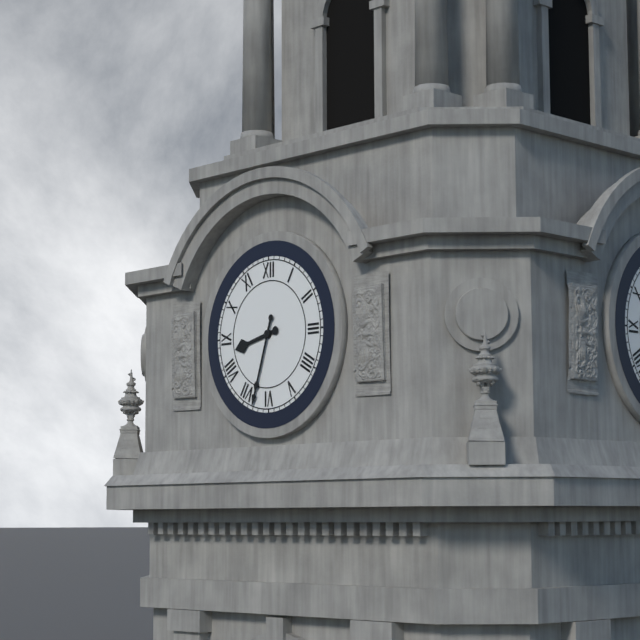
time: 8:33
